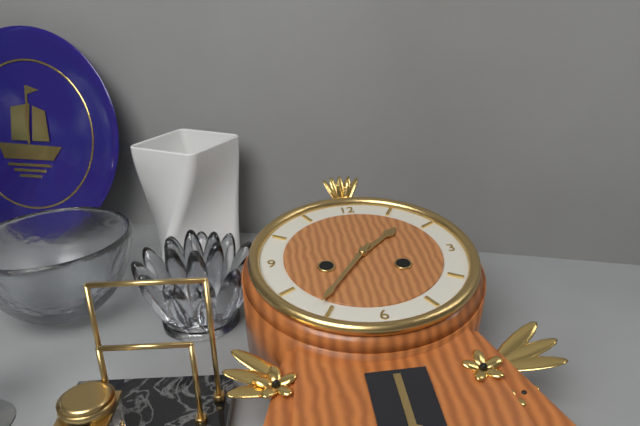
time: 1:36
